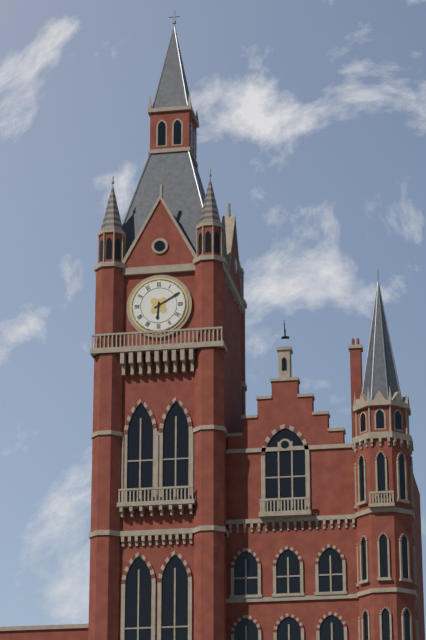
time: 6:10
